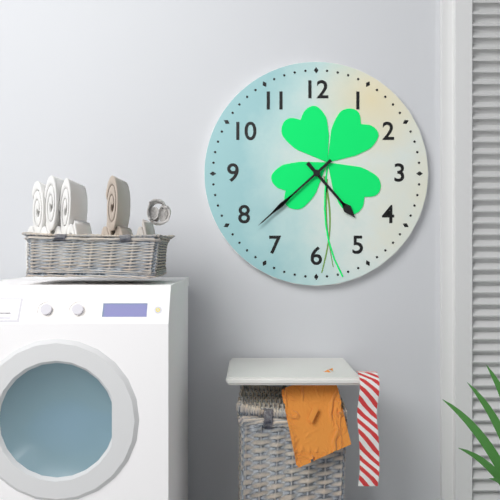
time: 4:38
